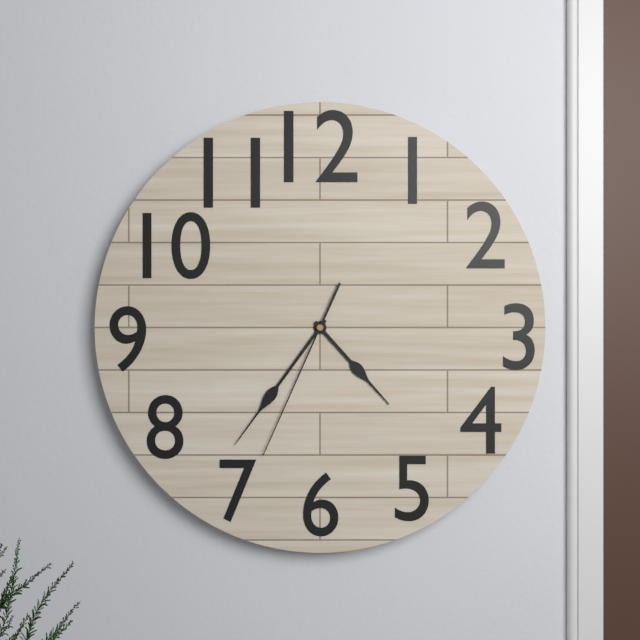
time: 4:36:34
